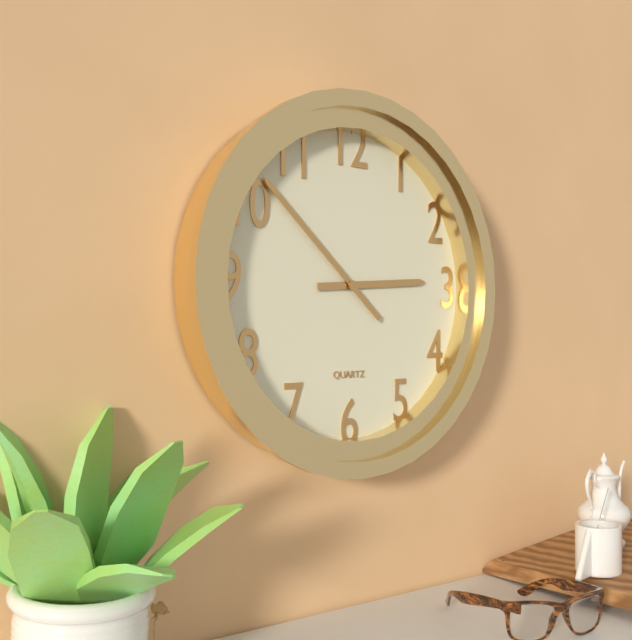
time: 2:52
